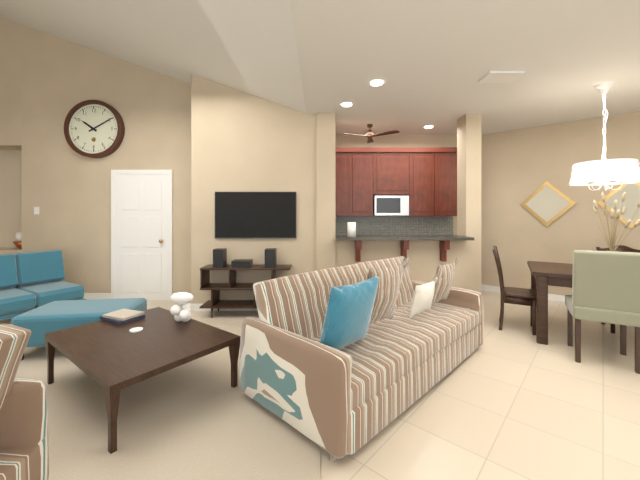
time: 10:10
